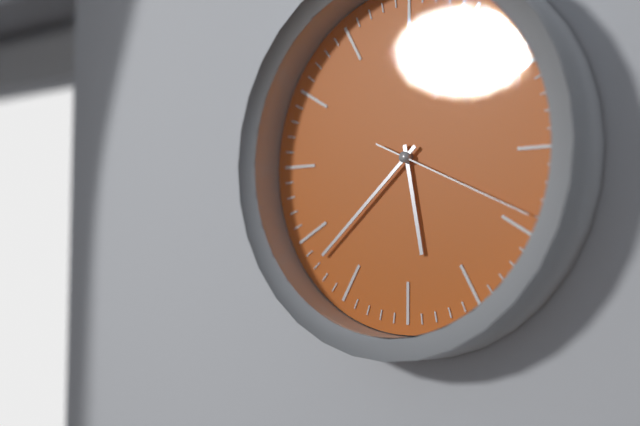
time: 5:38:19
